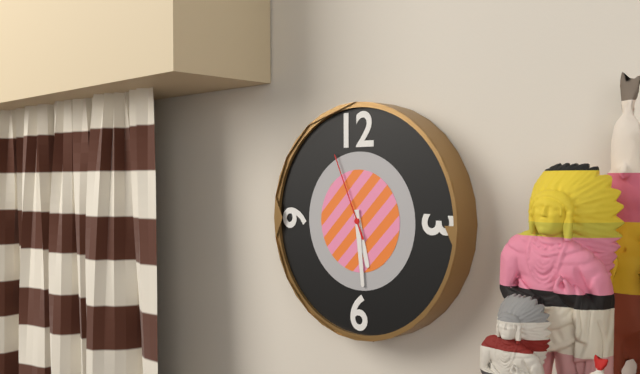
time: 5:29:56
